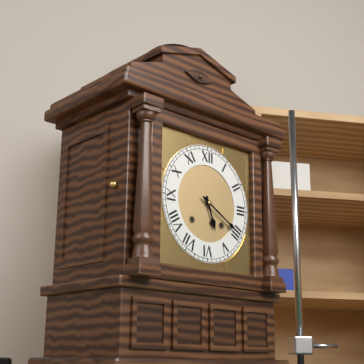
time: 5:20
